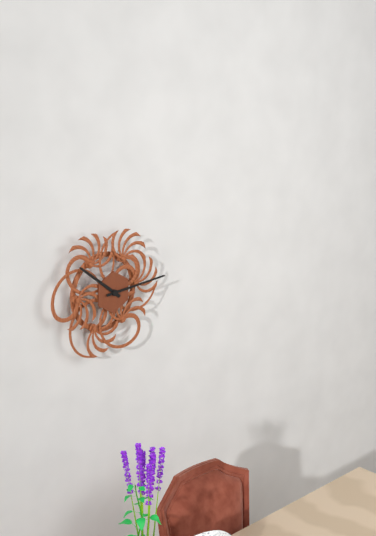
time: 10:14
